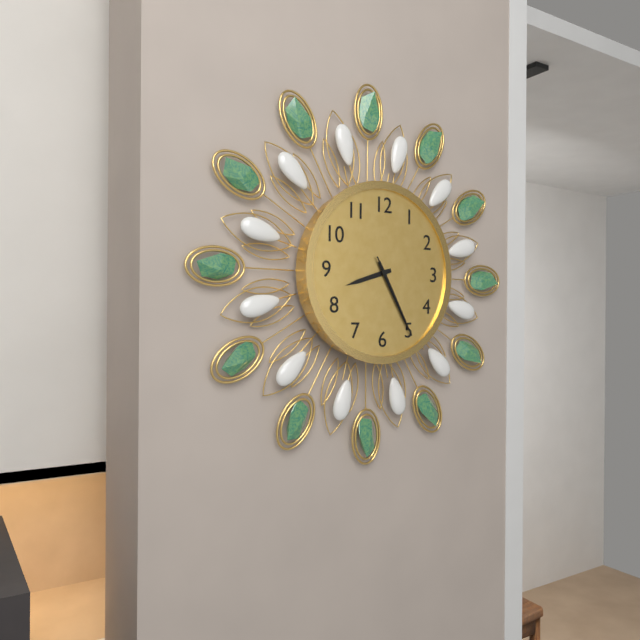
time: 8:25:25
